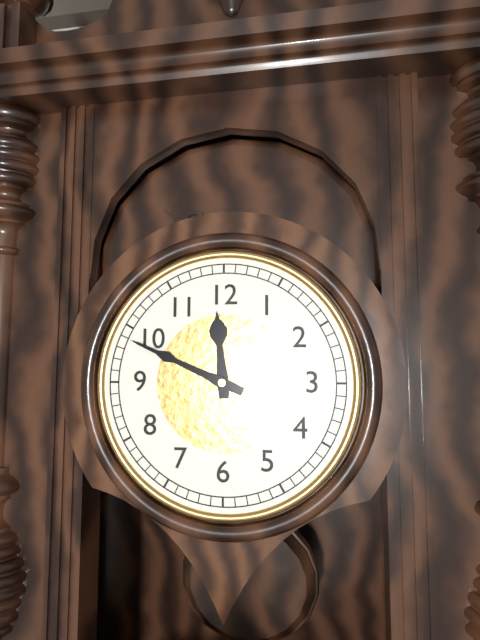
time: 11:49
